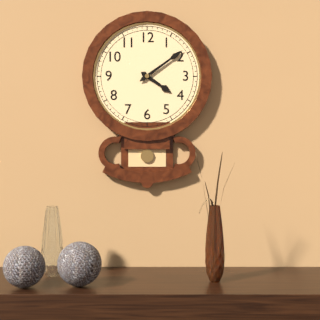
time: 4:09
